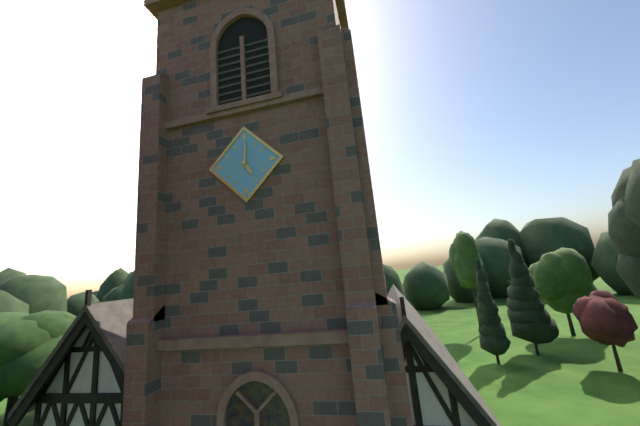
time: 5:01
